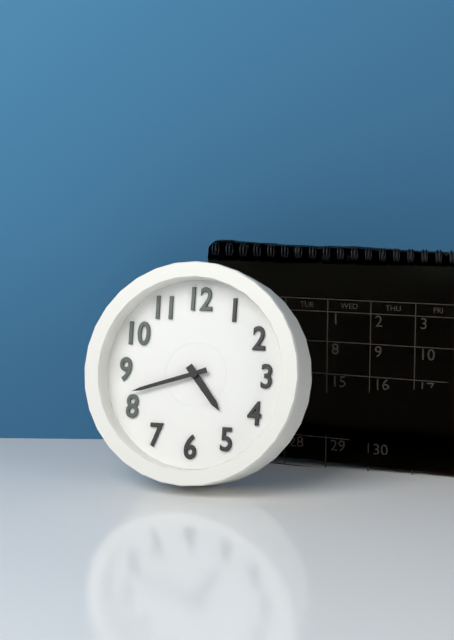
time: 4:42
